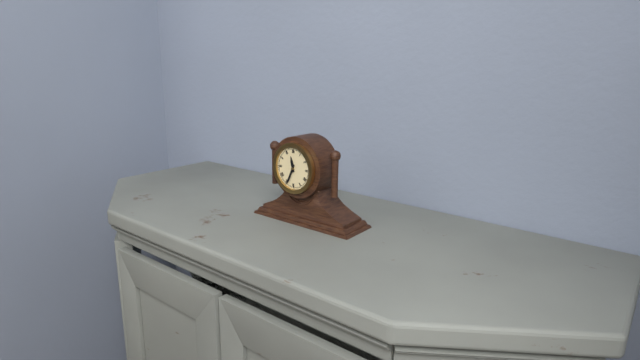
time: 11:34
